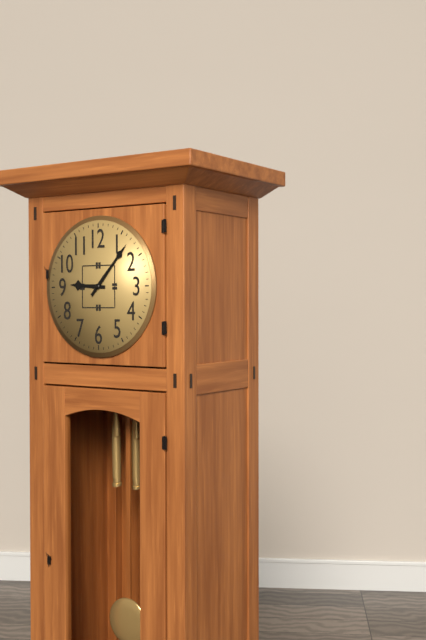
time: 9:07
